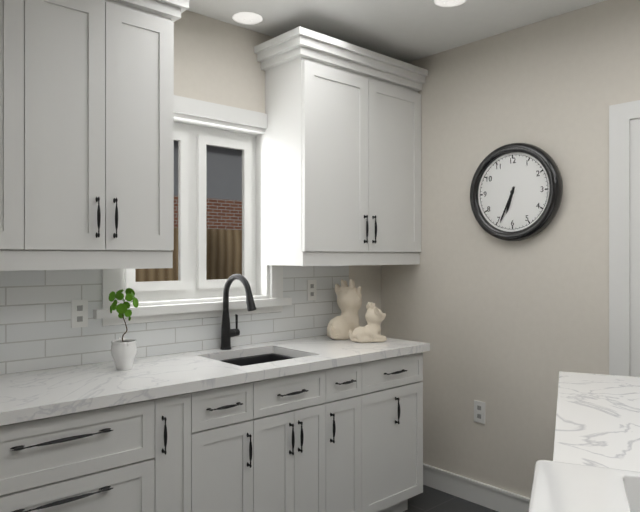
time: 6:34
